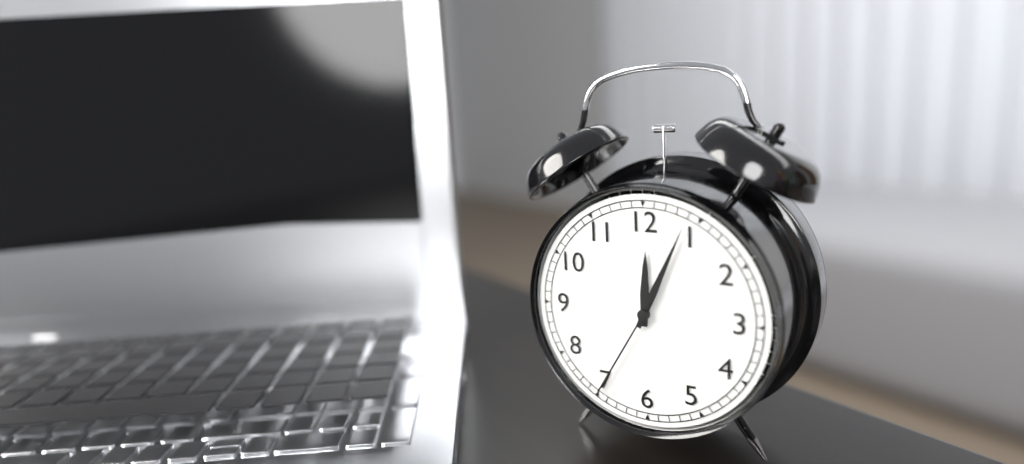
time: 12:04:35
